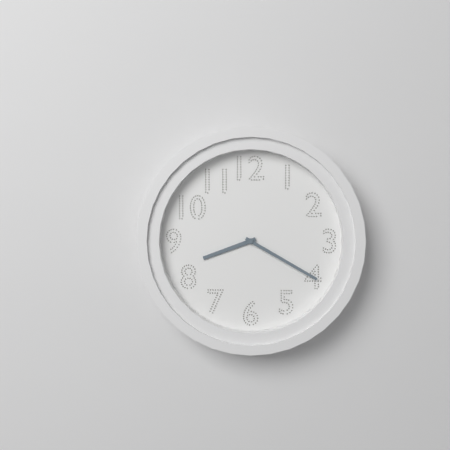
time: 8:20
